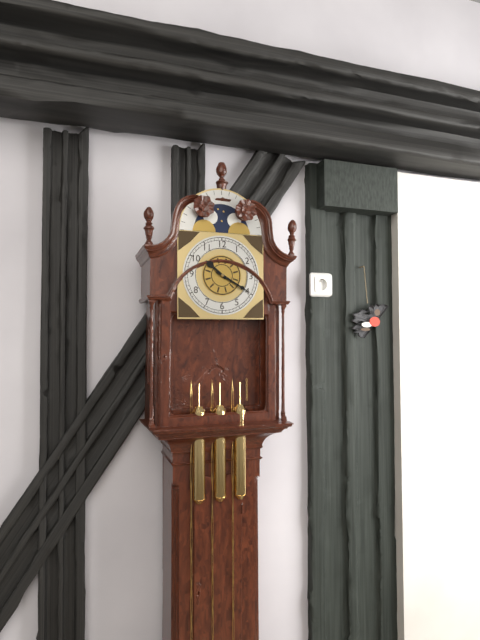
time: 10:20
